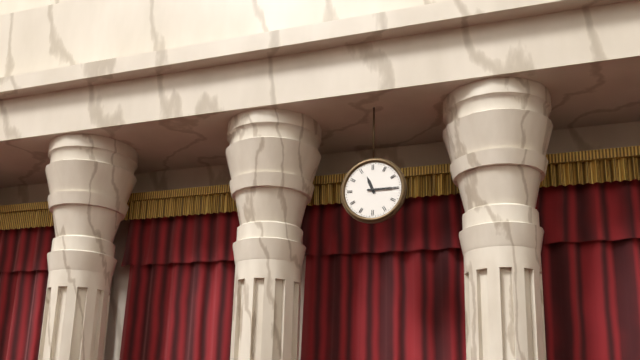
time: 11:15
